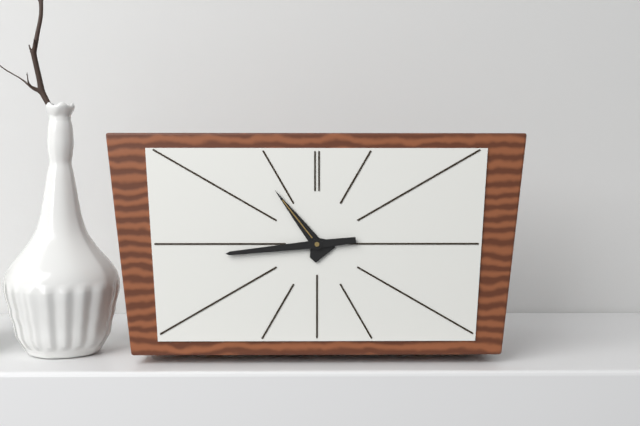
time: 10:44
